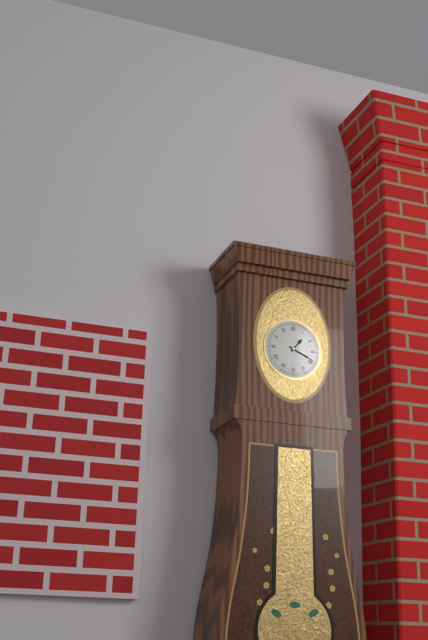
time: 1:19
